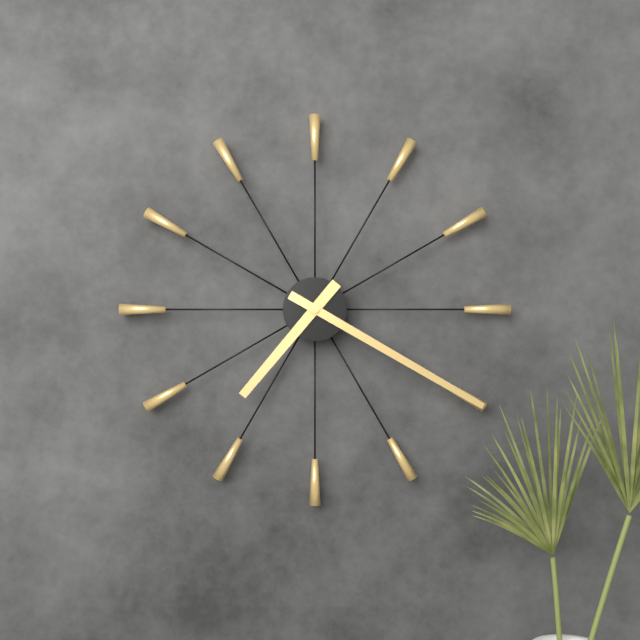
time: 7:20
